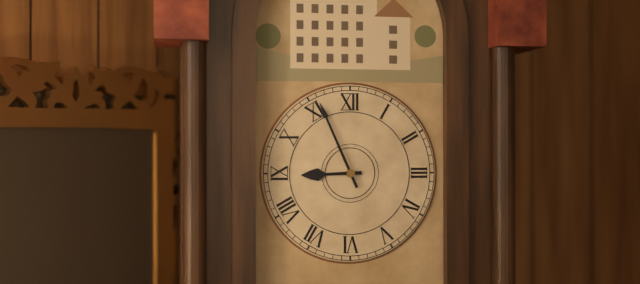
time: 8:56
